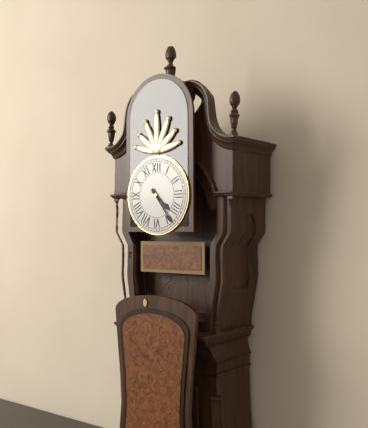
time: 4:24
